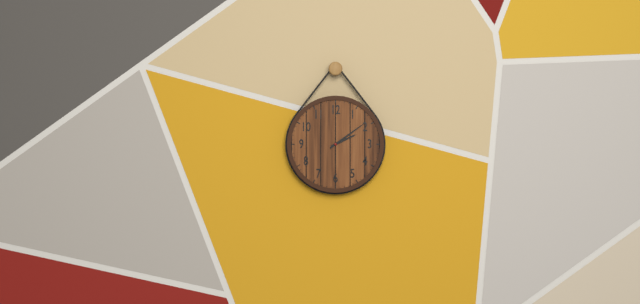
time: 2:09
